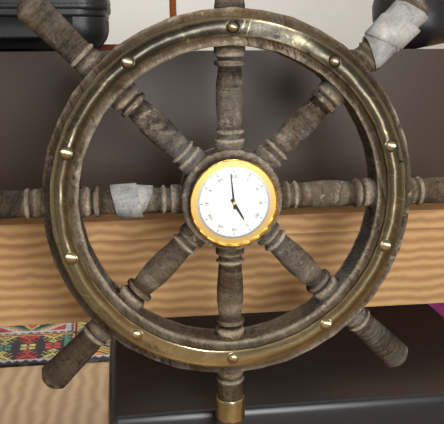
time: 4:59
